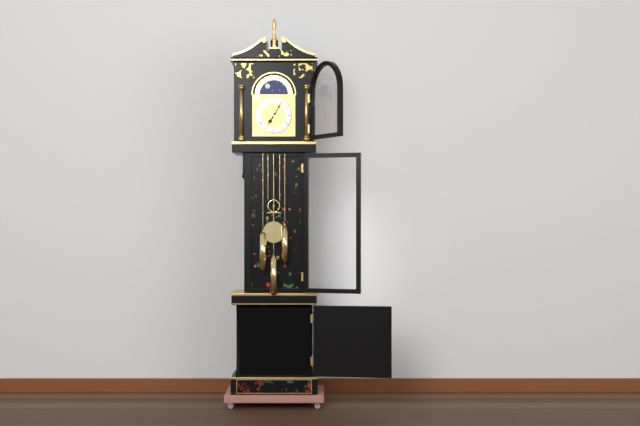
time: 7:05
